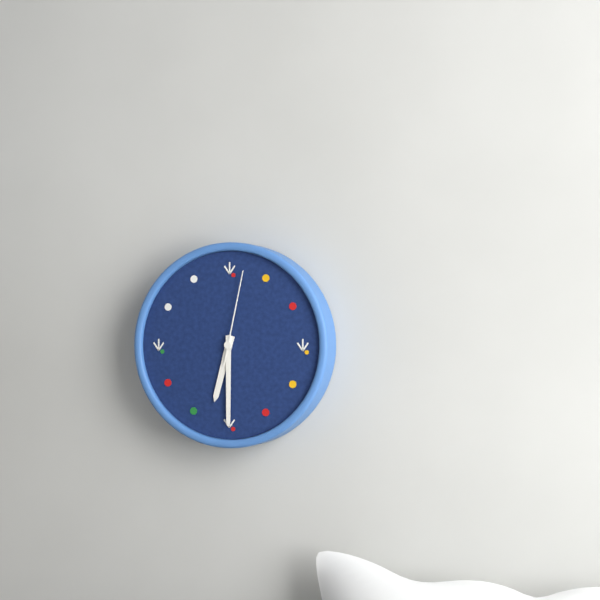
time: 6:30:02
